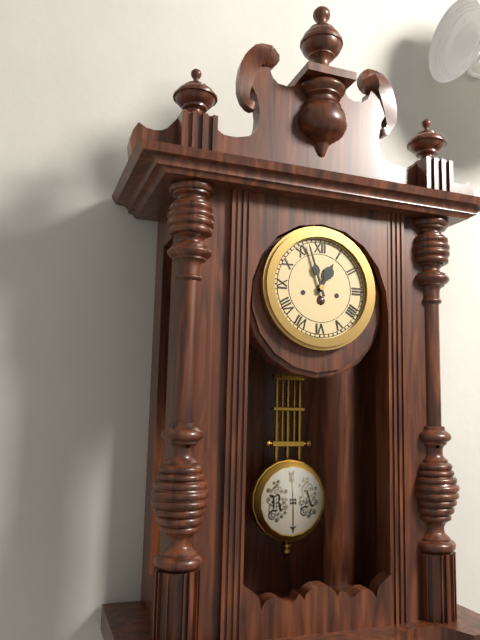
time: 12:57
